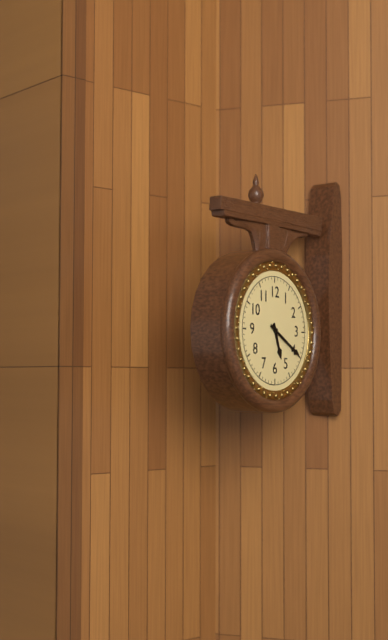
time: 5:20
